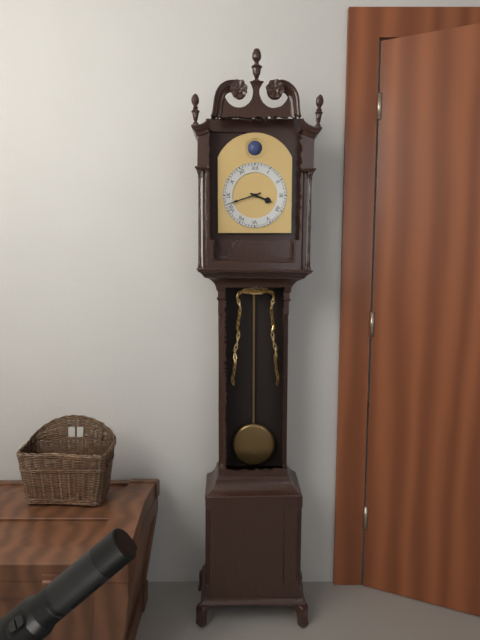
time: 3:42
